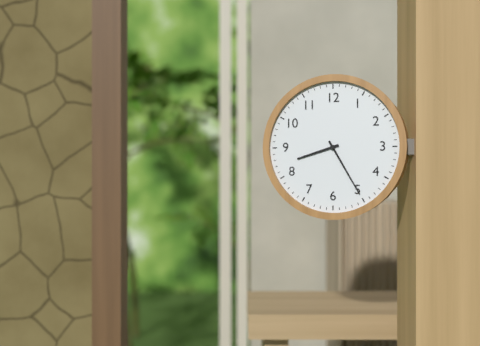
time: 8:25
